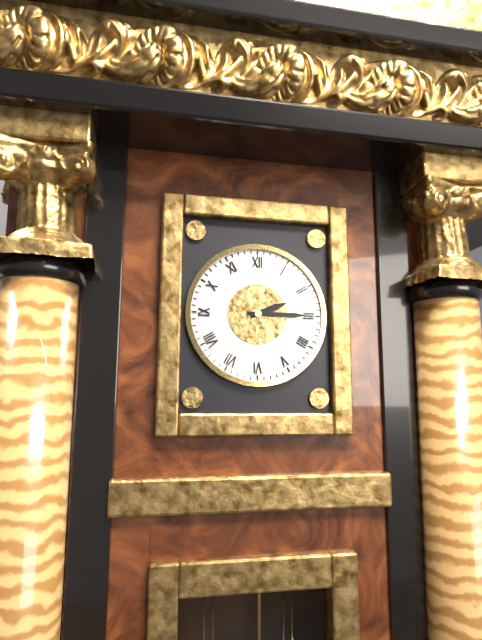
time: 2:15
